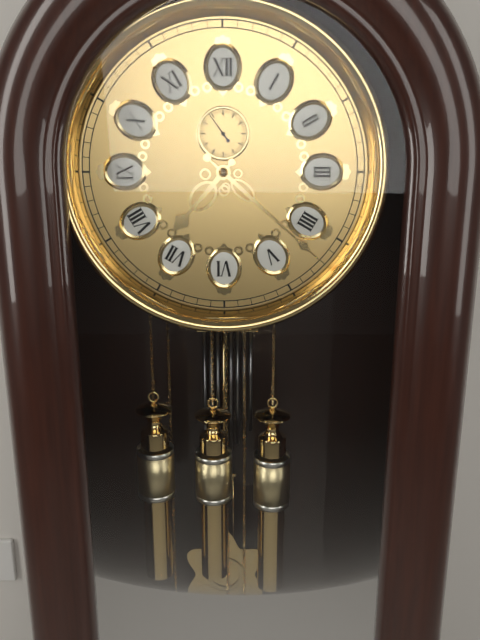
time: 7:22
